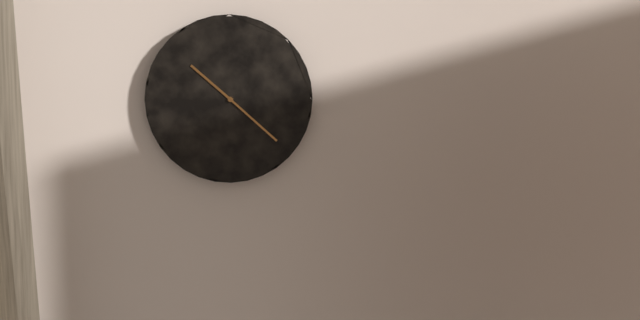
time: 10:22
